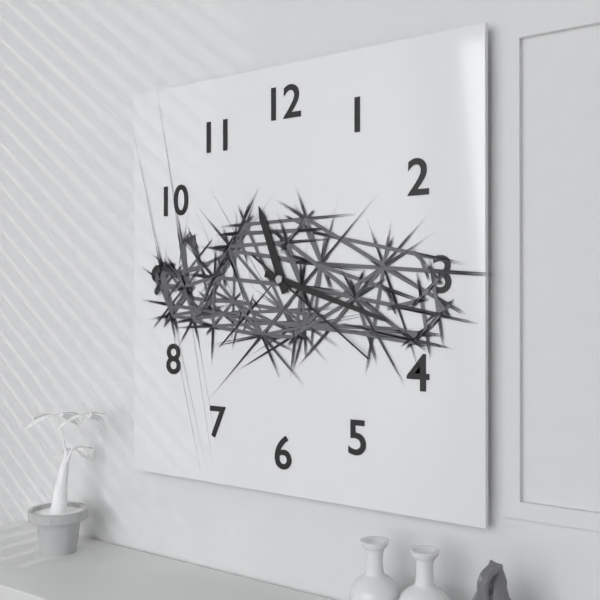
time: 11:18:21
